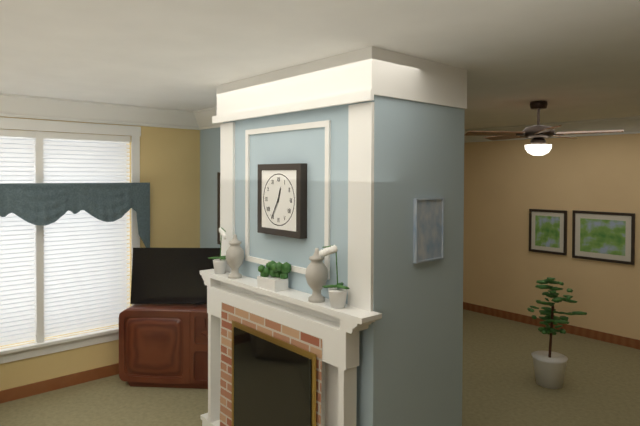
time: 12:35
